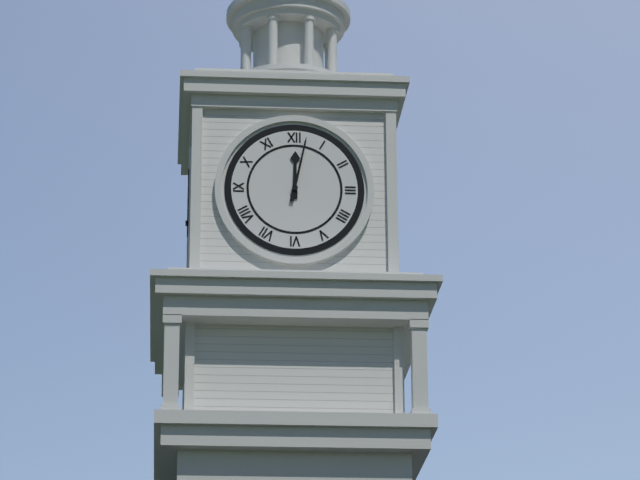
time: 12:02
